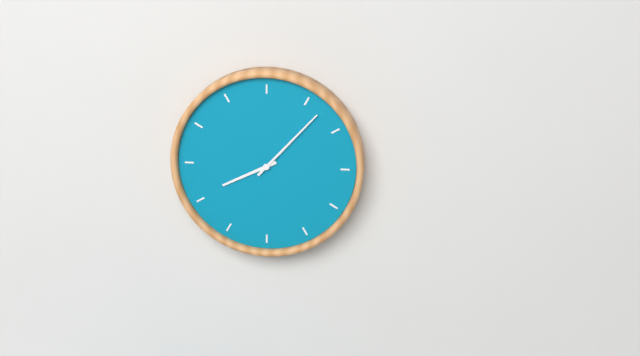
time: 8:07
